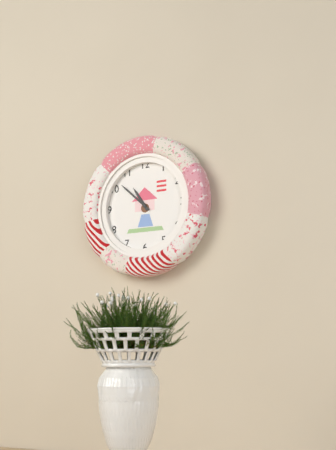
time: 10:52
